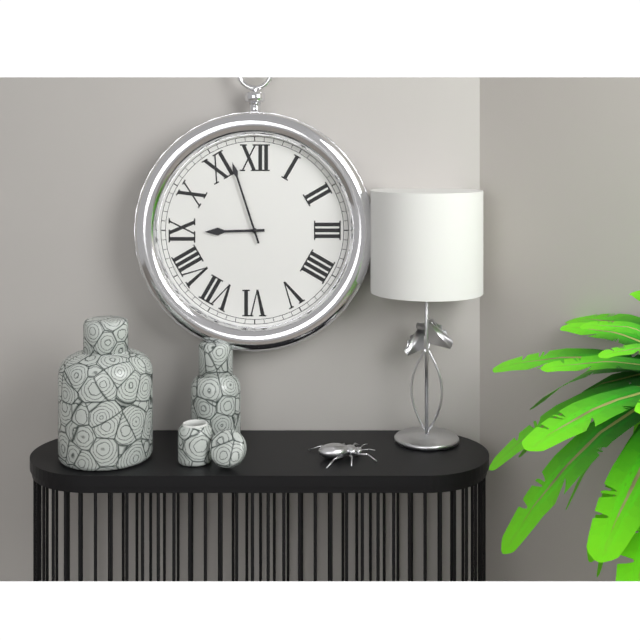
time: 8:57
